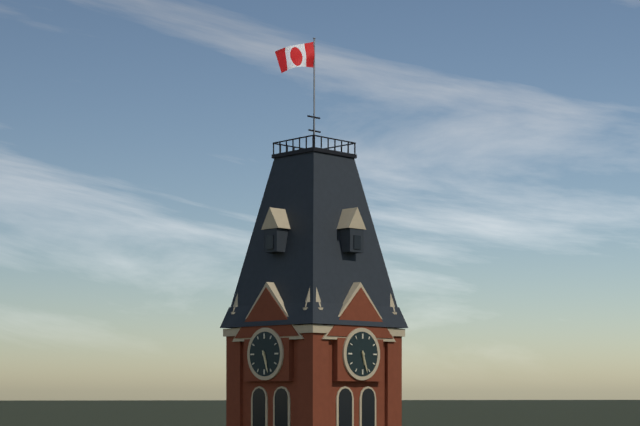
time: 5:27
